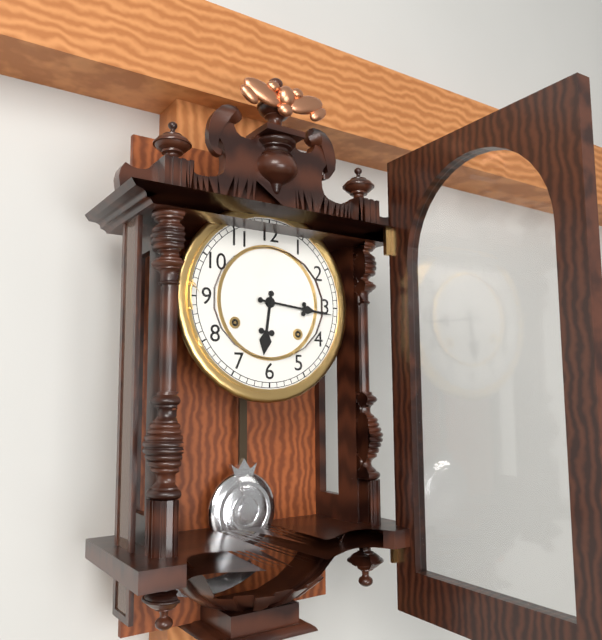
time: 6:16
